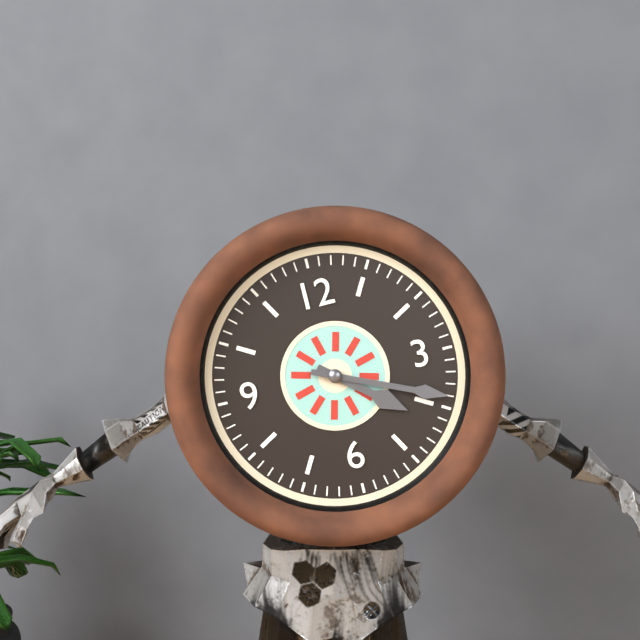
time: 4:19
